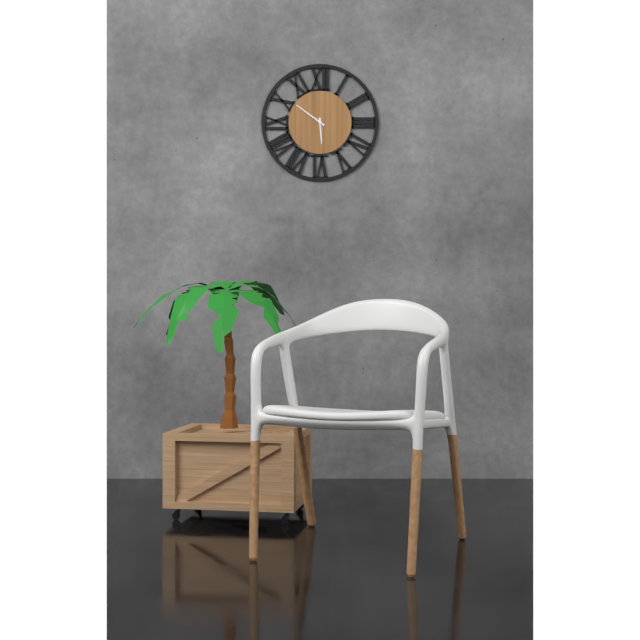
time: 5:51
